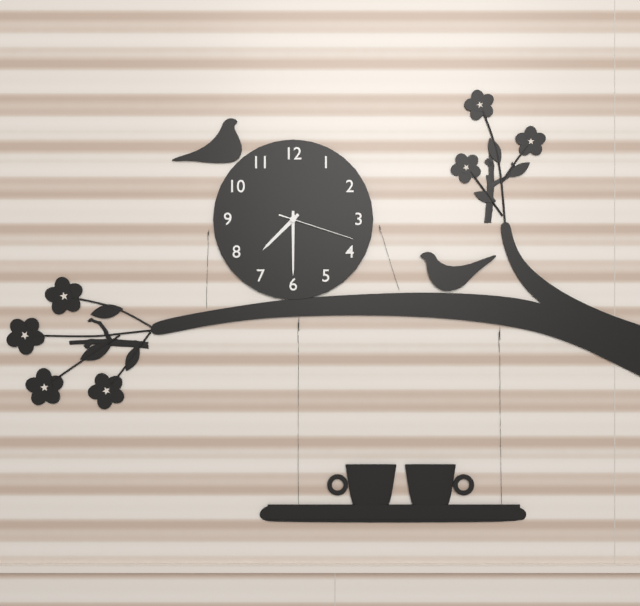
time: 7:30:18
